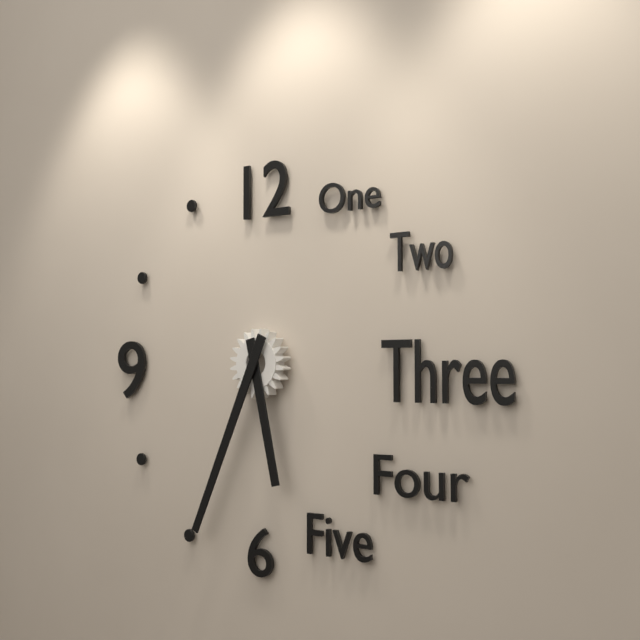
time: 5:34
